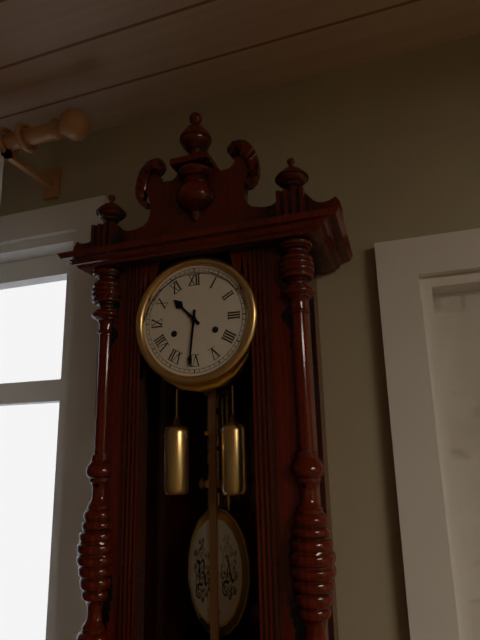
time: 10:31
